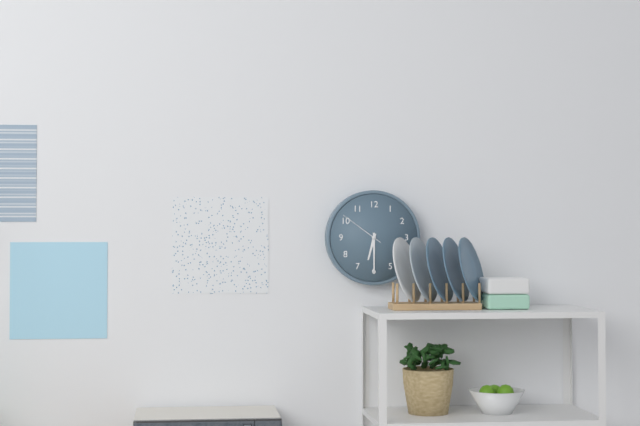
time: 6:30
